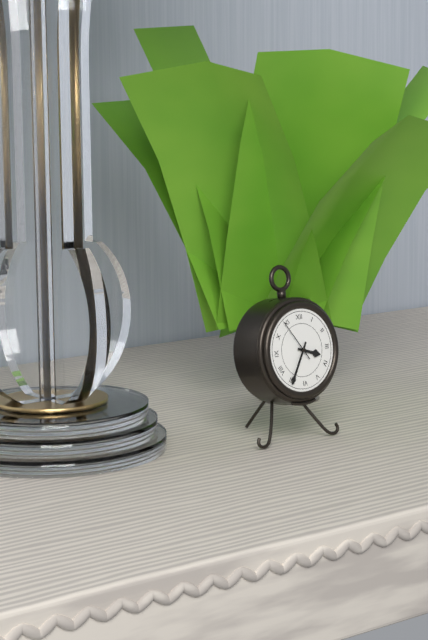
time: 3:35
